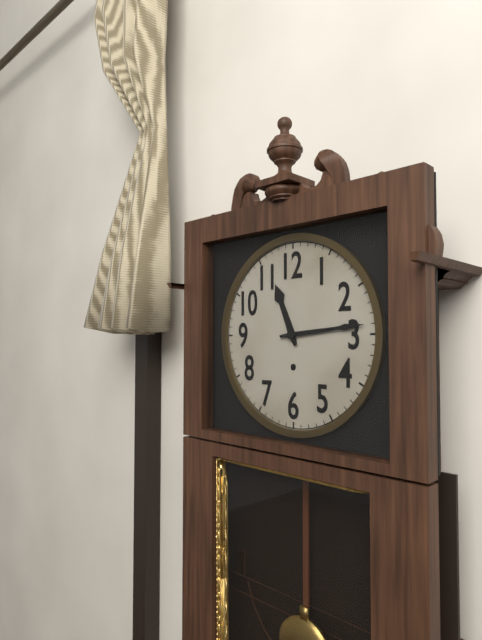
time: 11:14
